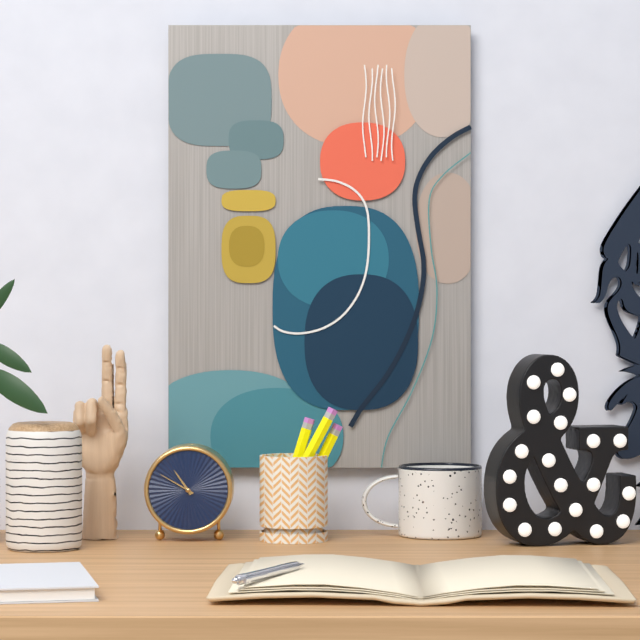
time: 10:50
